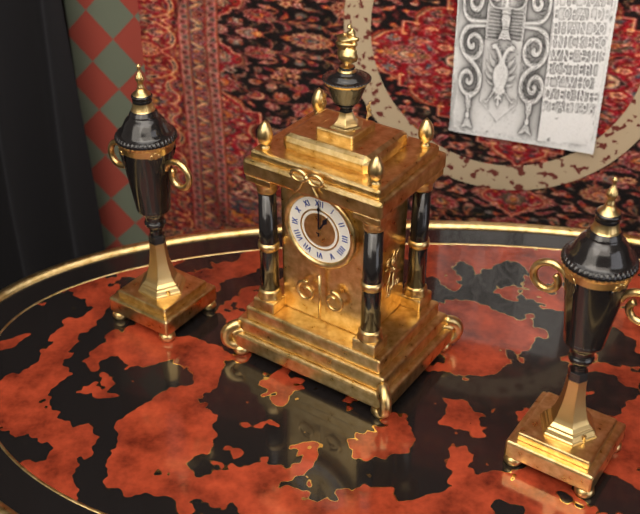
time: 1:00
